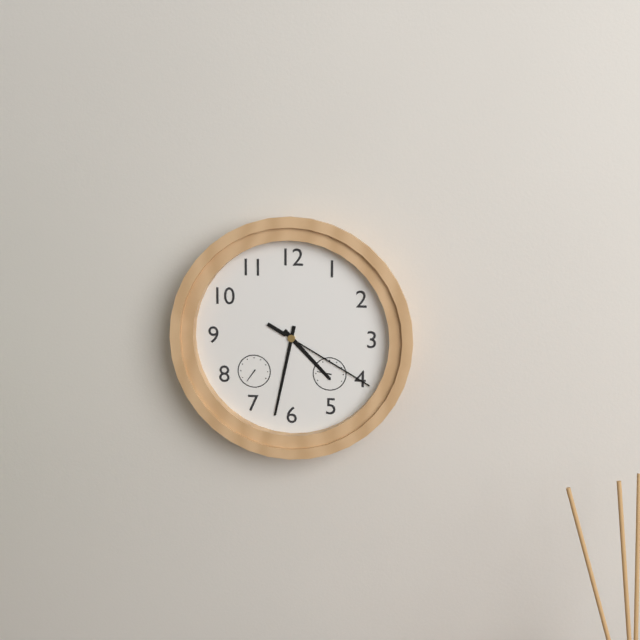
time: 4:32:20
